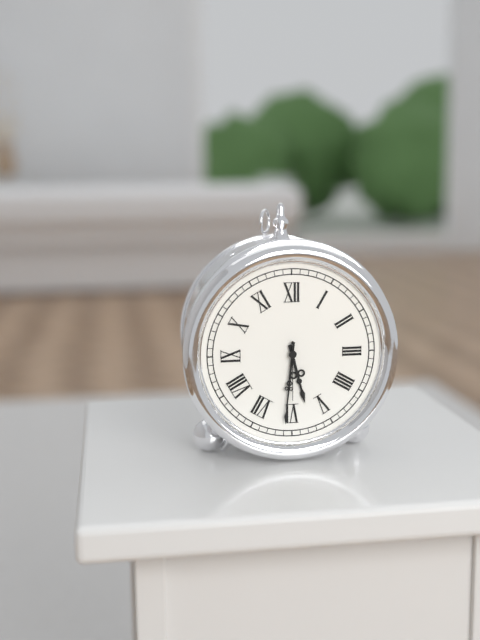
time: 5:31:30
